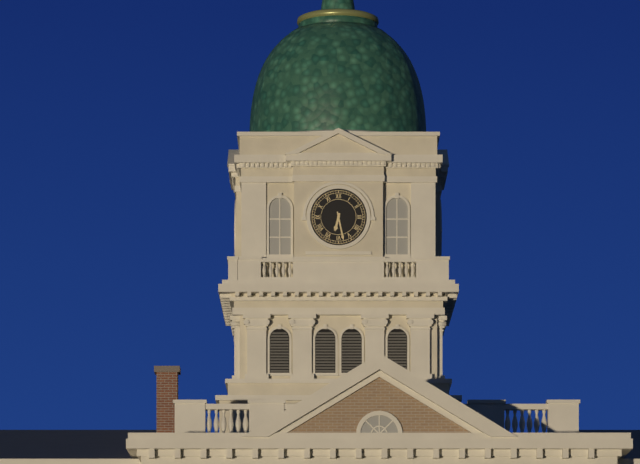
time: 6:28
